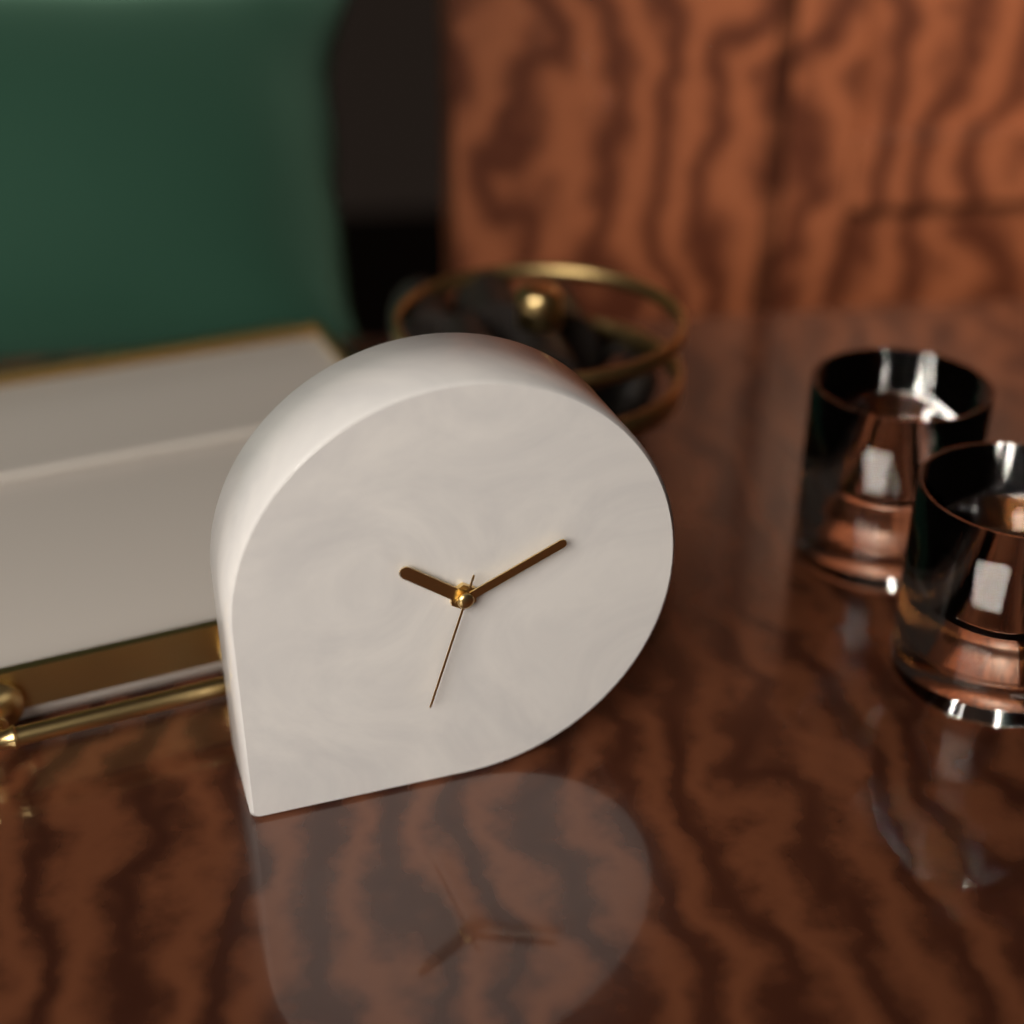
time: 10:11:33
